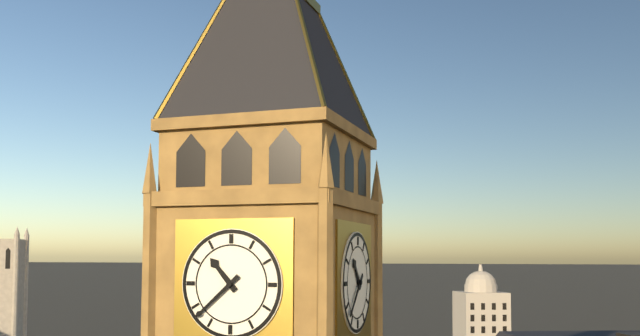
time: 10:38
